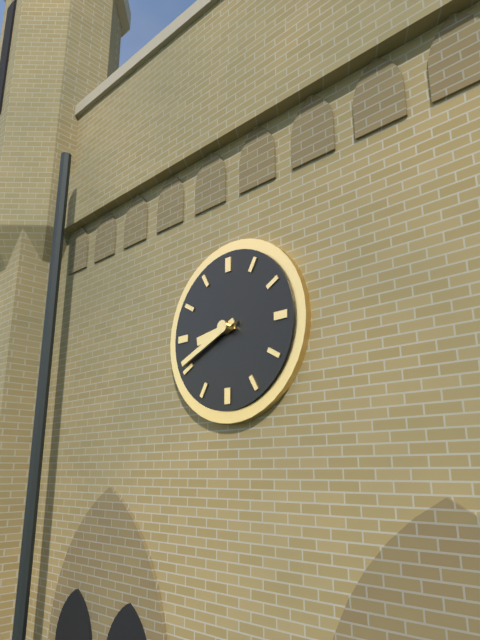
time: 8:41
